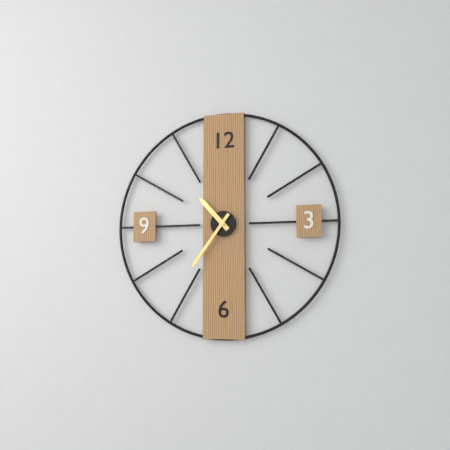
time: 10:36
